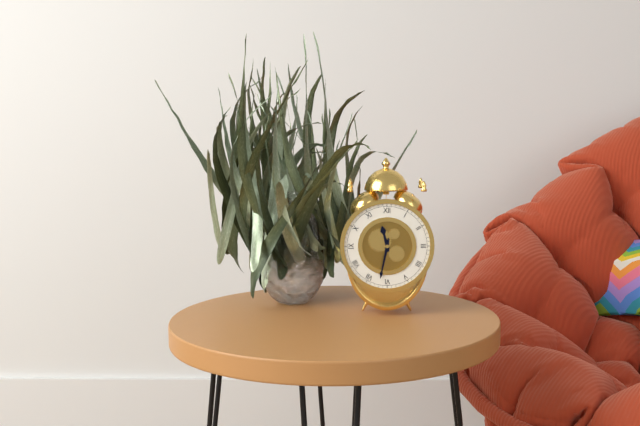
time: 11:32
